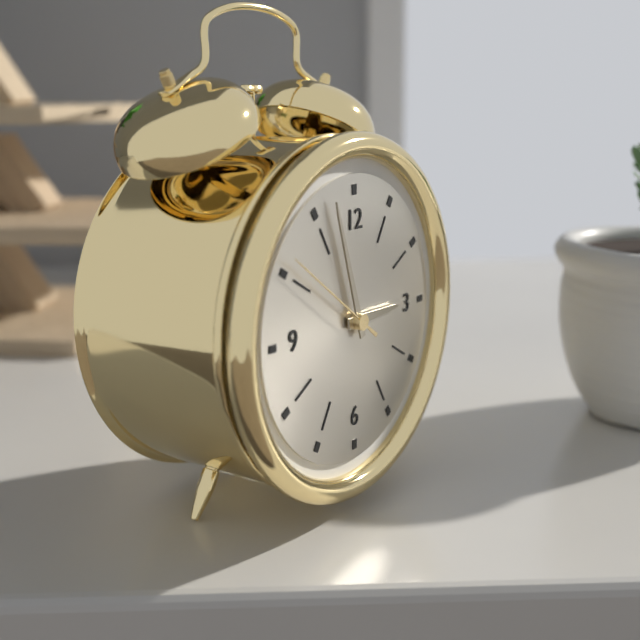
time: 2:57:51
